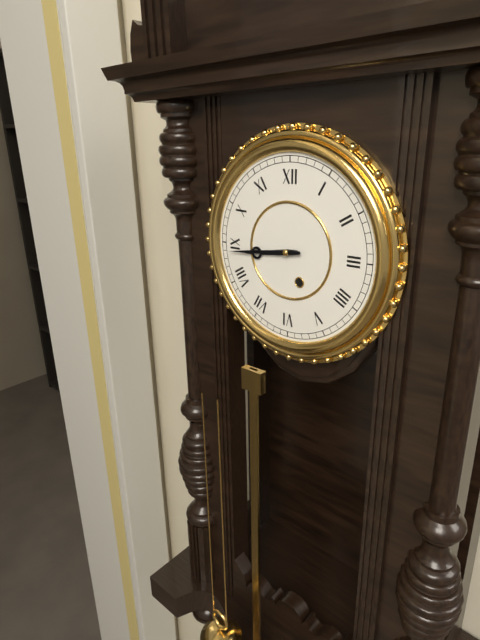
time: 8:44
